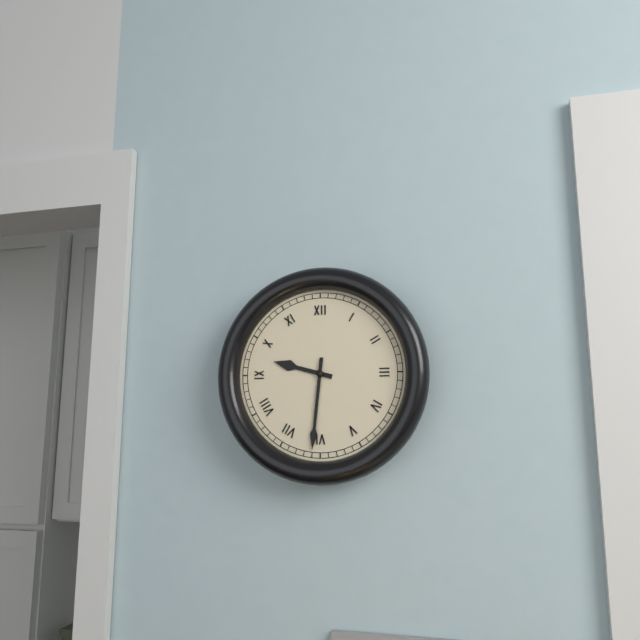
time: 9:31
